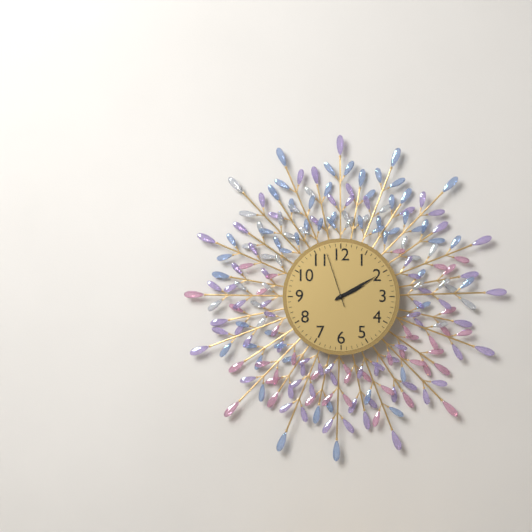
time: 2:10:57
